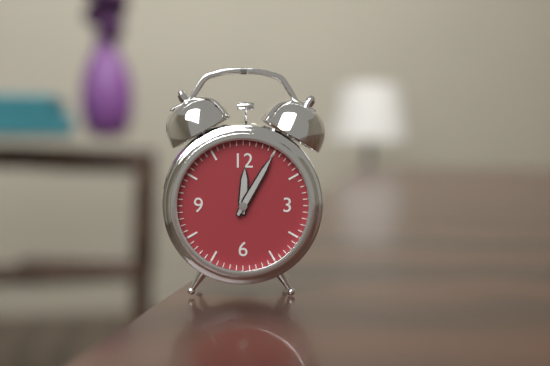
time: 12:05
